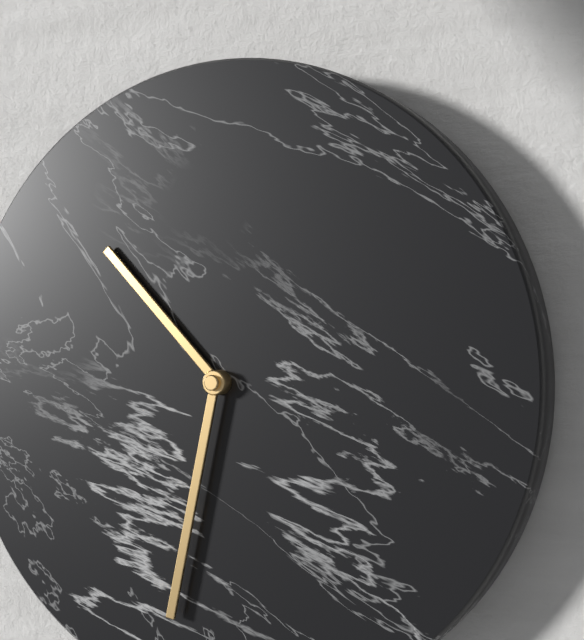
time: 10:32
